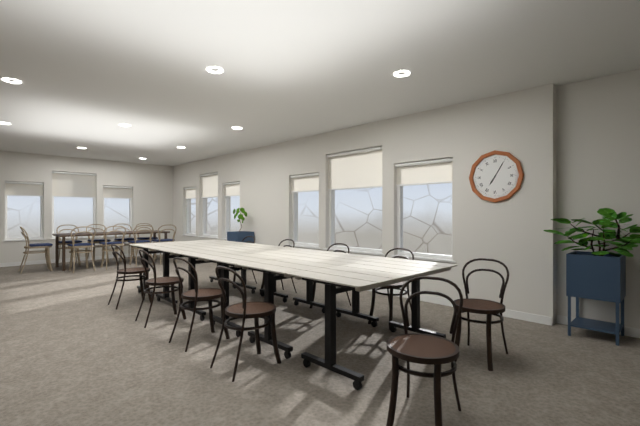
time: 7:05
